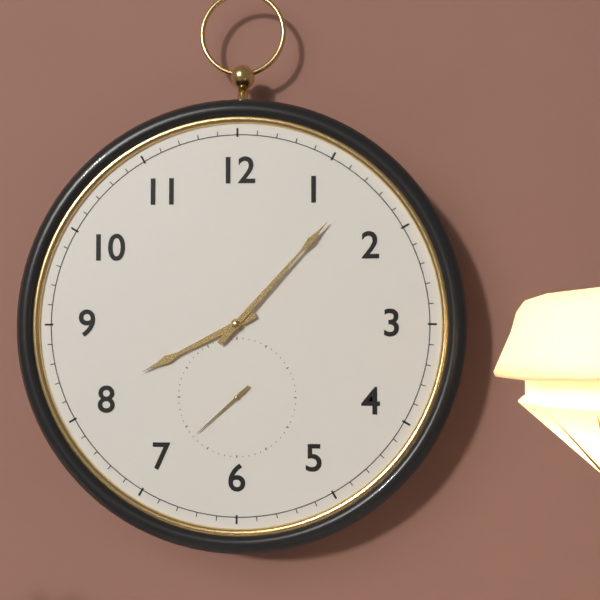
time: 8:07:38
